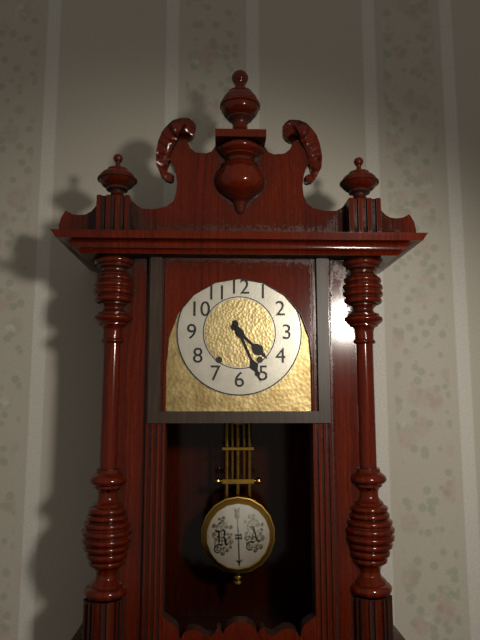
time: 4:26
